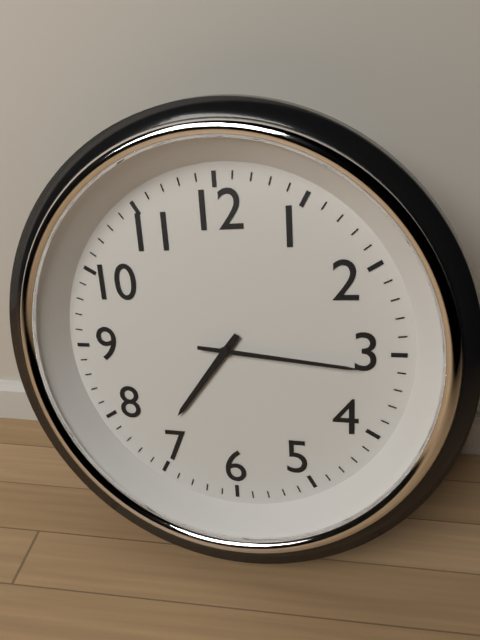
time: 7:16
